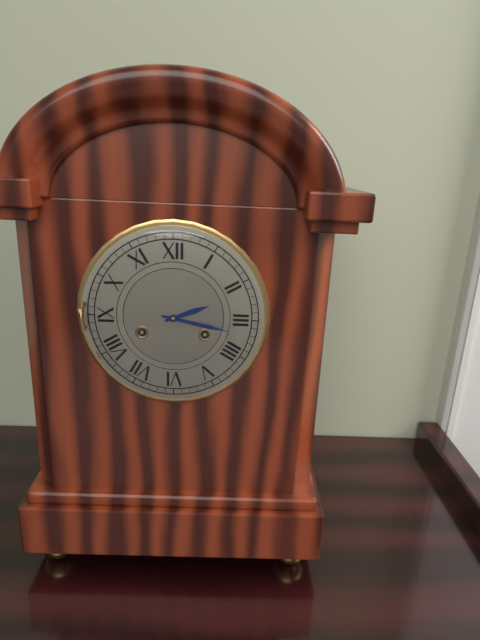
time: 2:17
